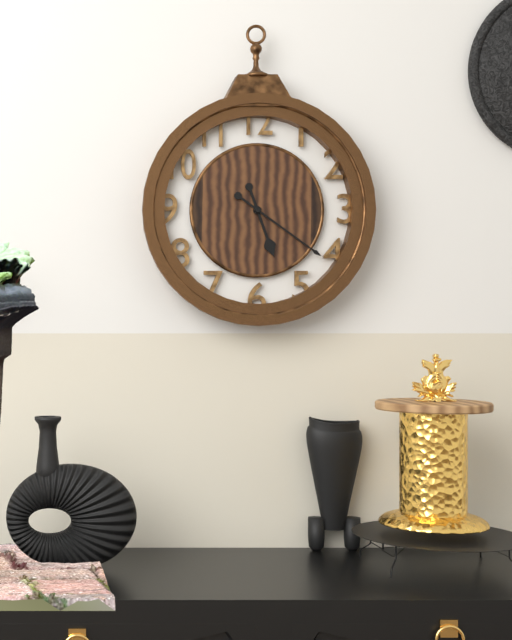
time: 5:21
